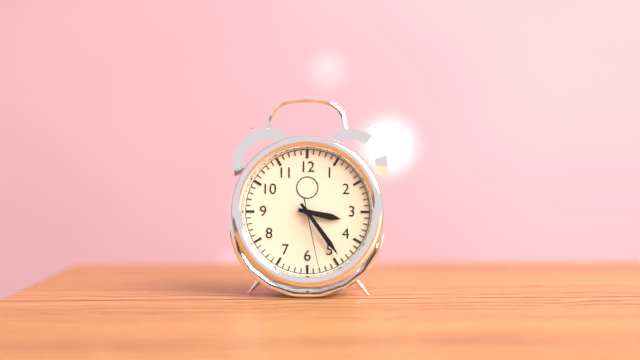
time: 3:24:28
